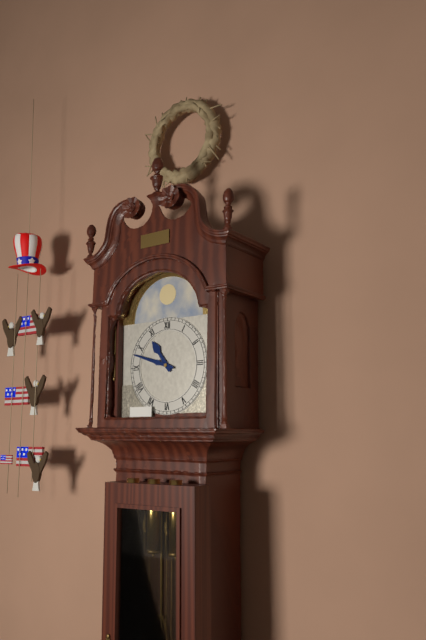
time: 10:48
